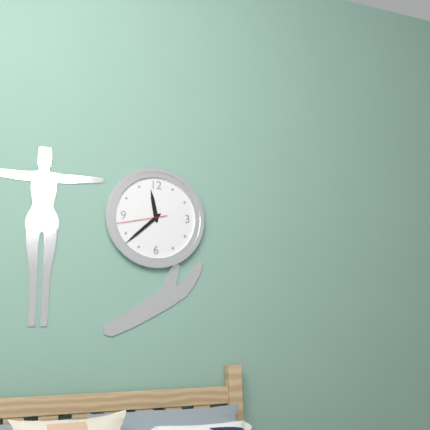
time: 11:38:43
